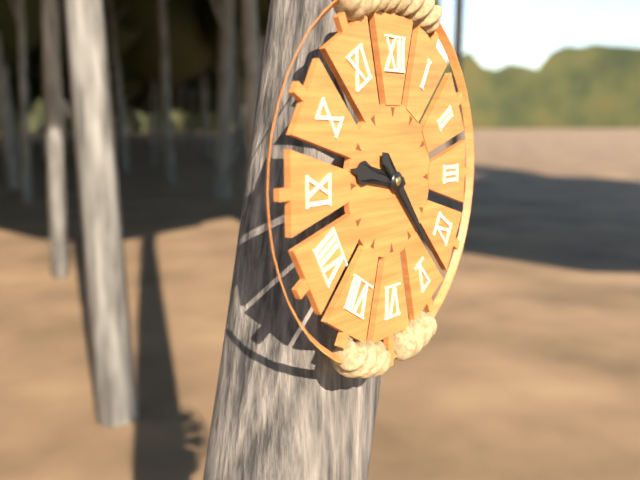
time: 9:23
